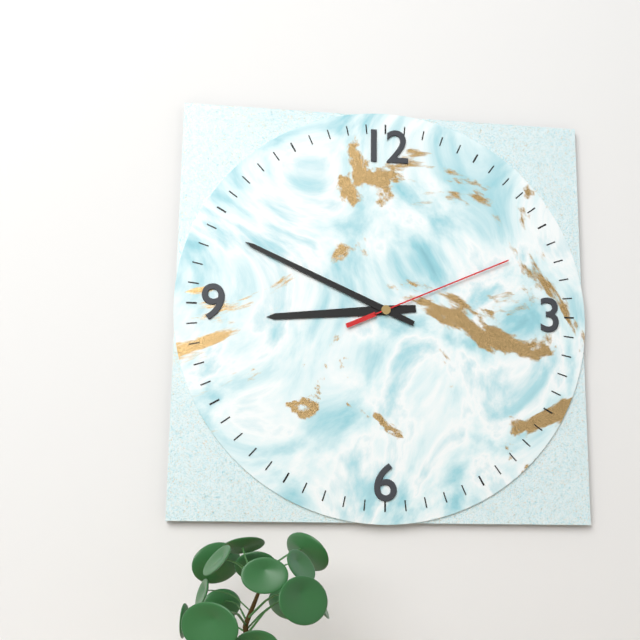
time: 8:49:11
